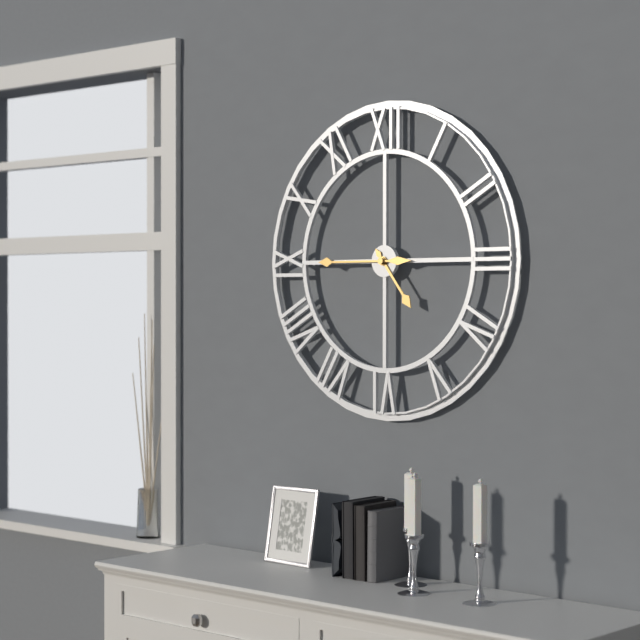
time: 4:45
